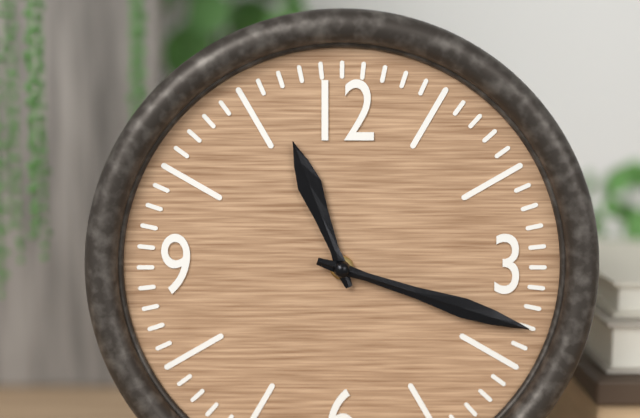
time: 11:18
